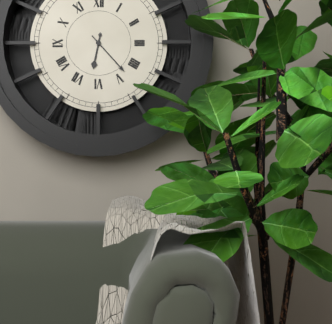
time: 6:23
